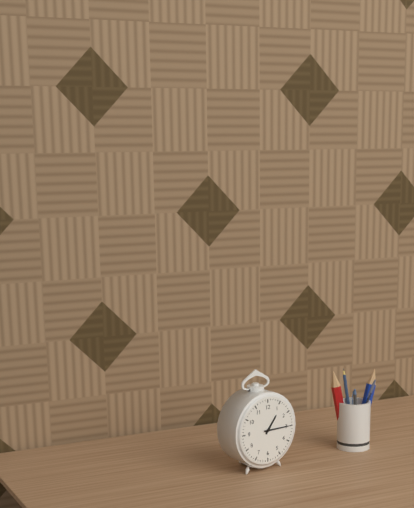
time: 1:15
